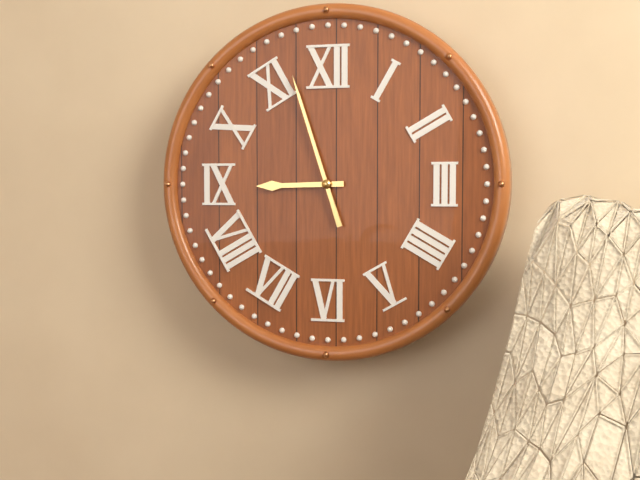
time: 8:57
